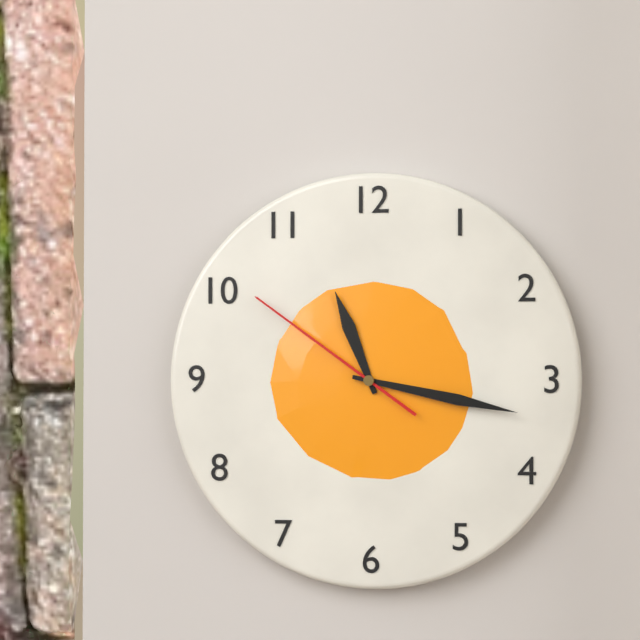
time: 11:17:51
